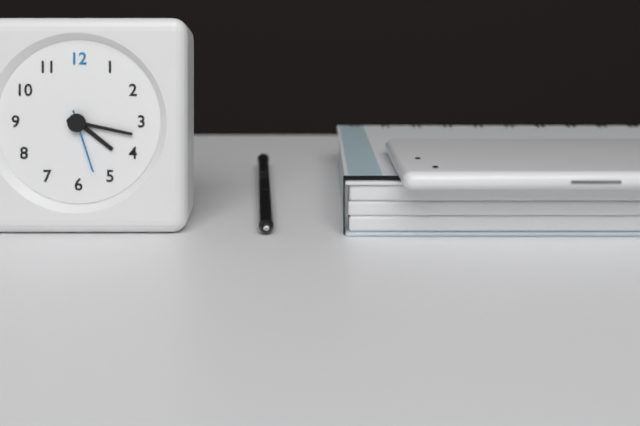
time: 4:17:27
